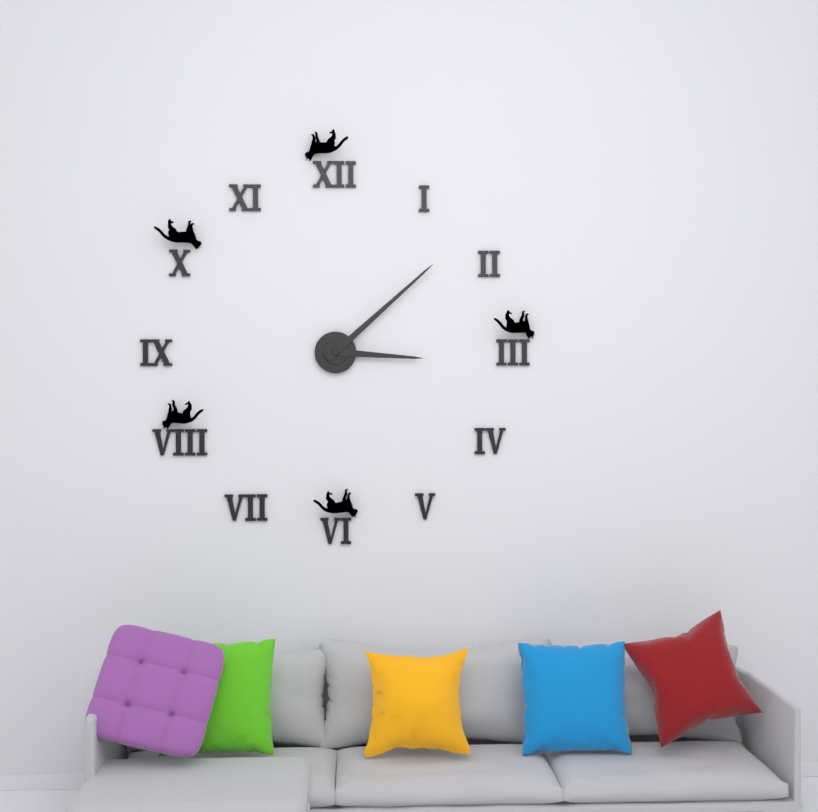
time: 3:08
